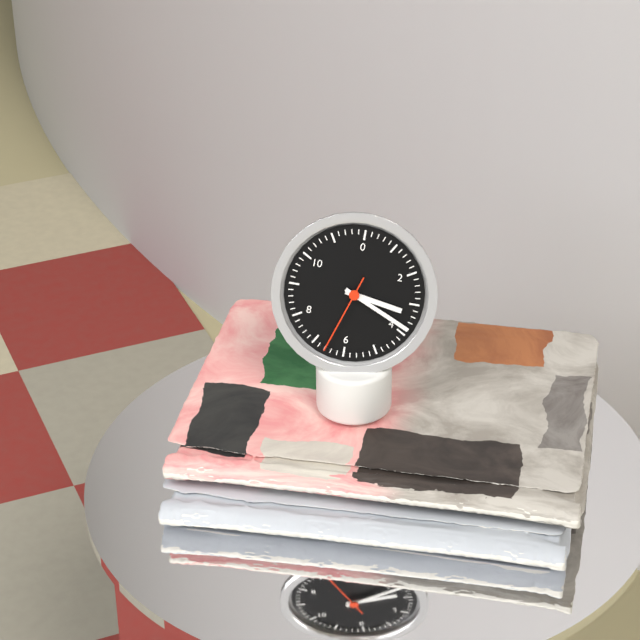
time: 3:19:33
